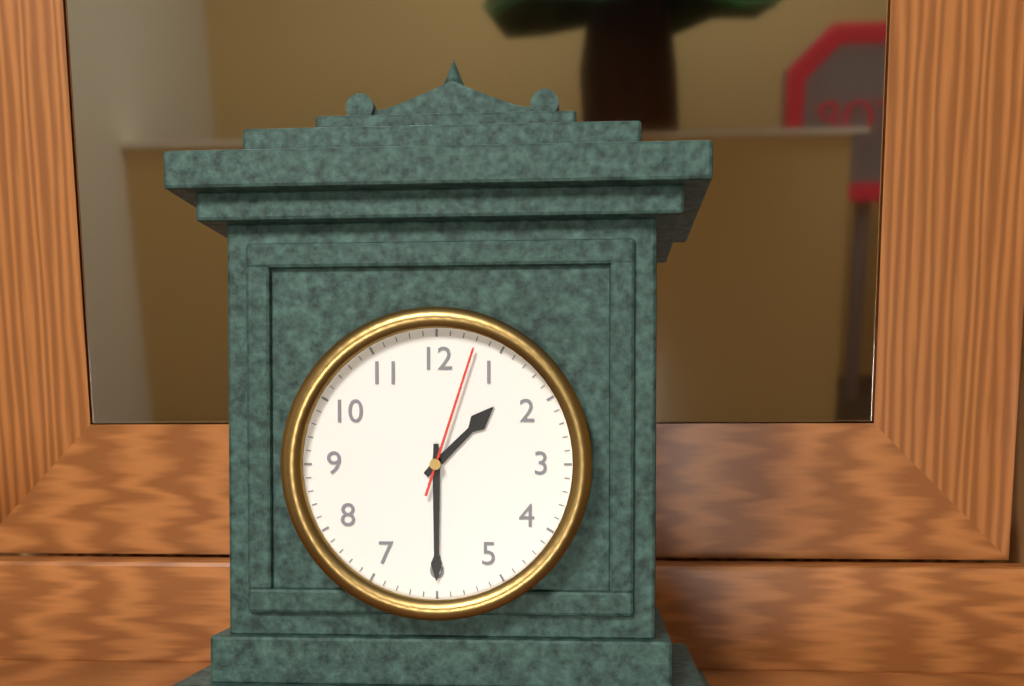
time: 1:30:03
